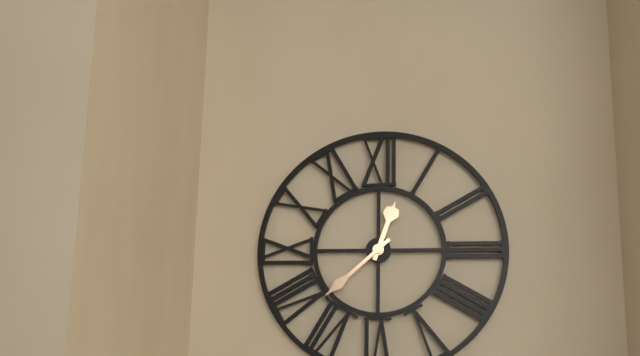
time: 12:38
